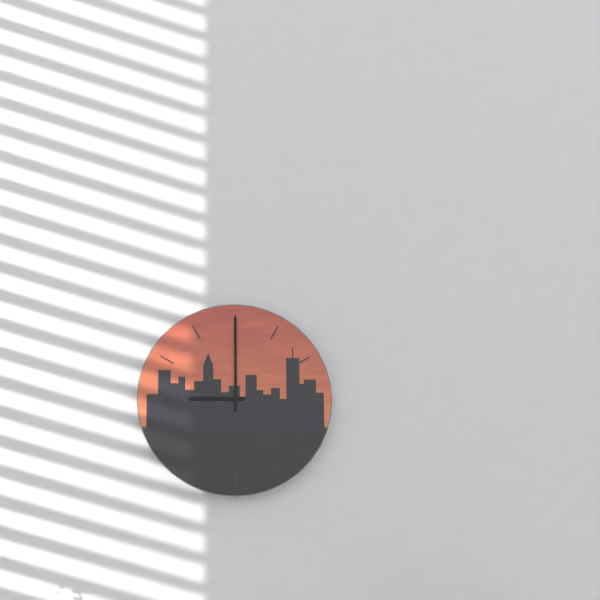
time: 9:00
